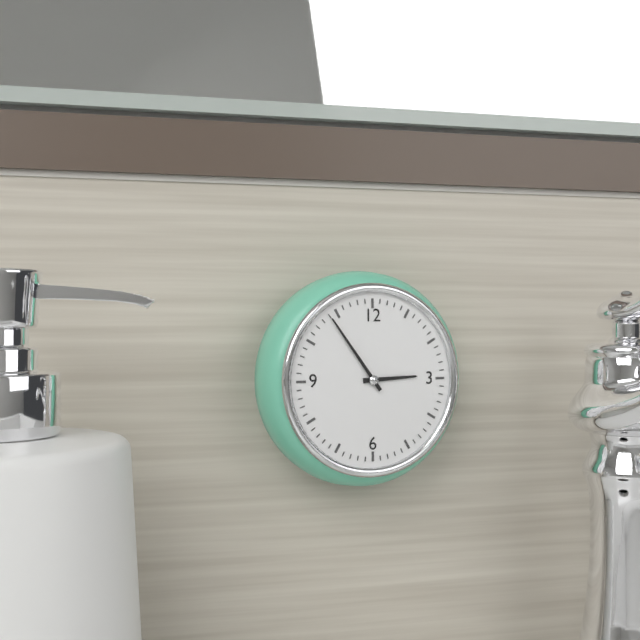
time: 2:54
